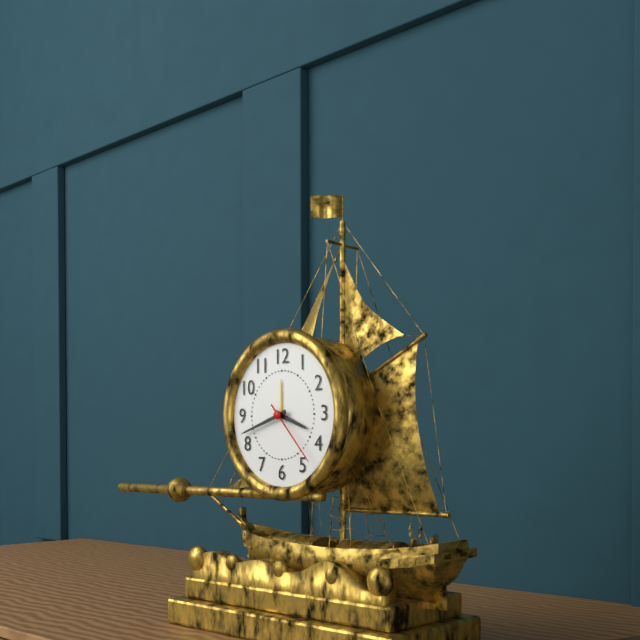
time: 3:42:23
